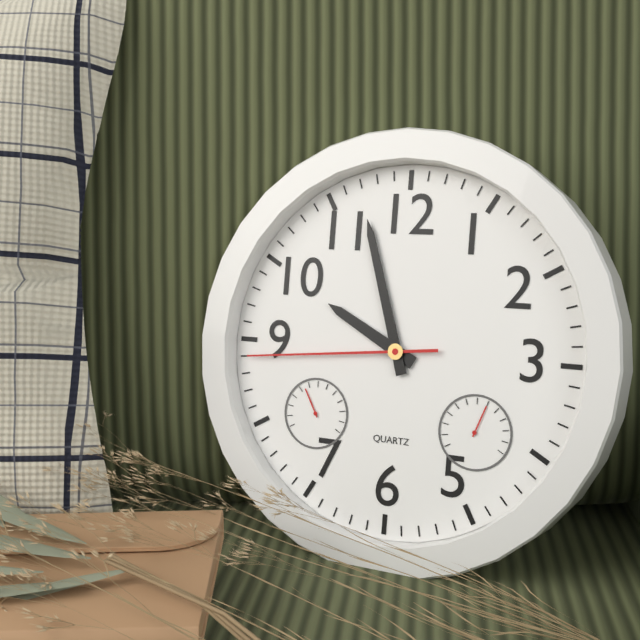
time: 9:57:44
